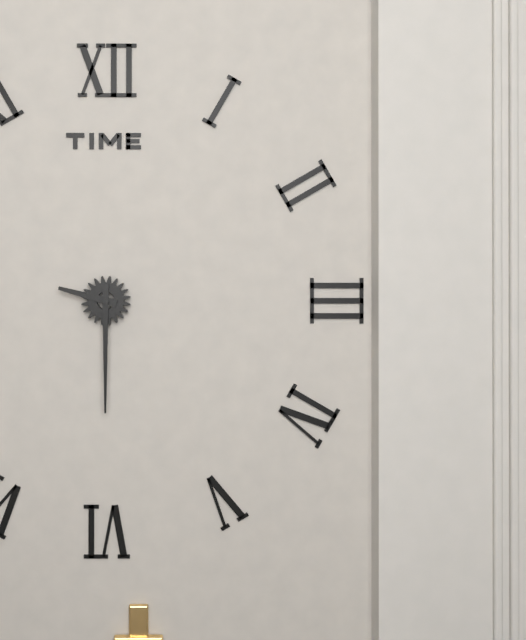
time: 9:30
